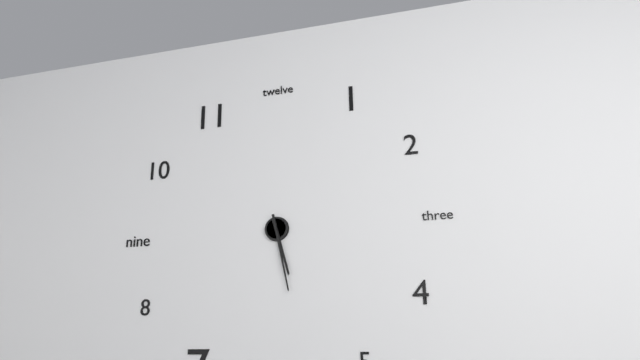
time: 5:28
